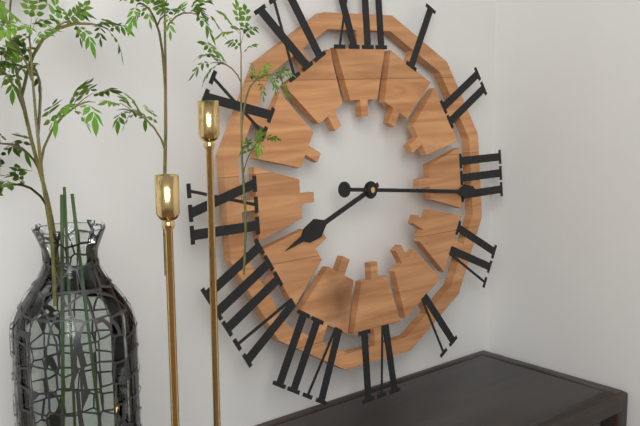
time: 8:16
